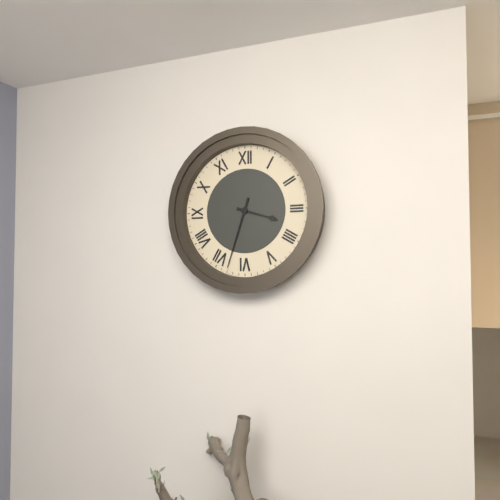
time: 3:33
